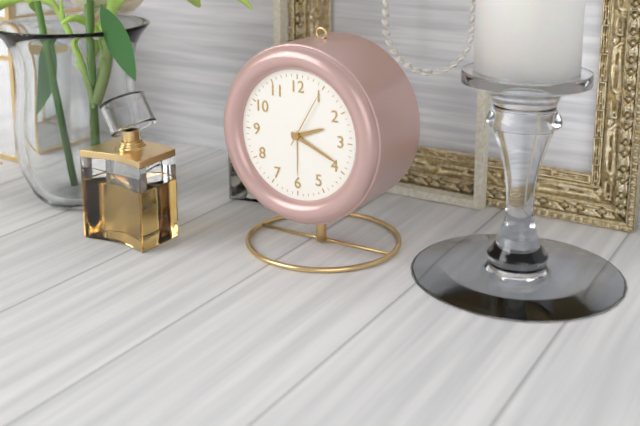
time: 2:19
